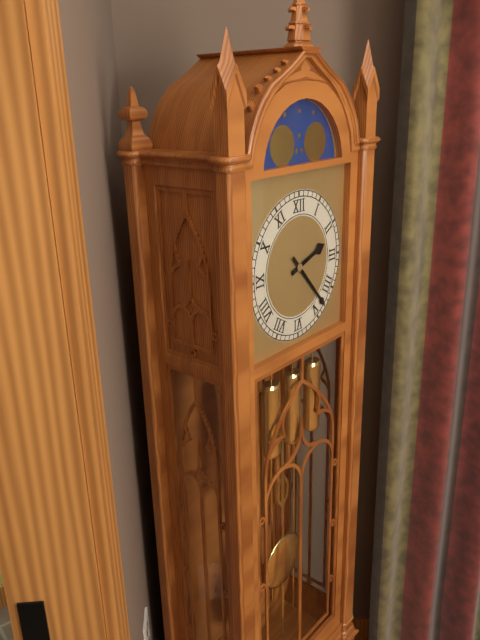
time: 2:23
